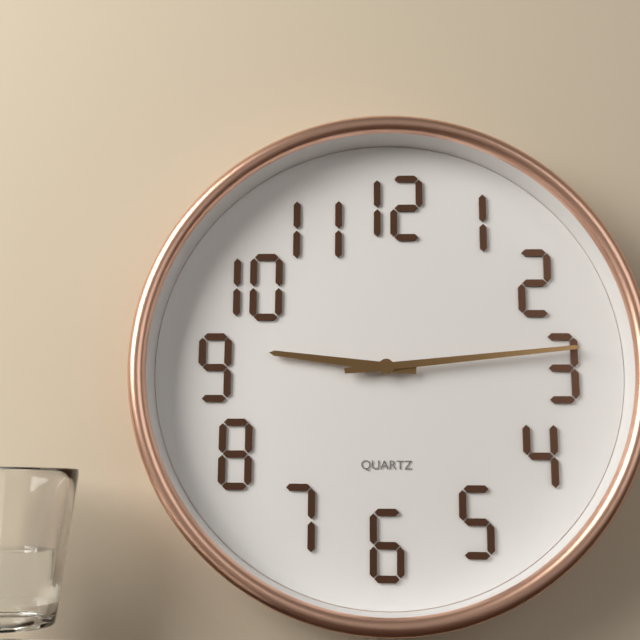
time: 9:14
